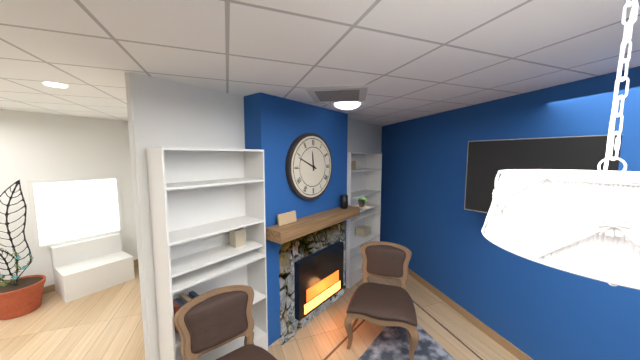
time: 11:49
